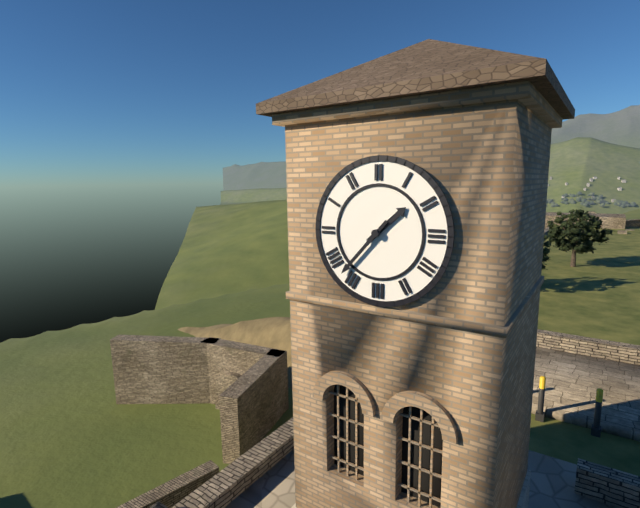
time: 1:37
